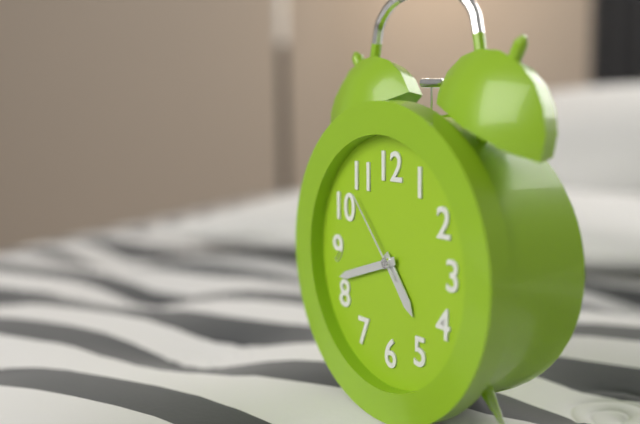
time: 4:42:53
